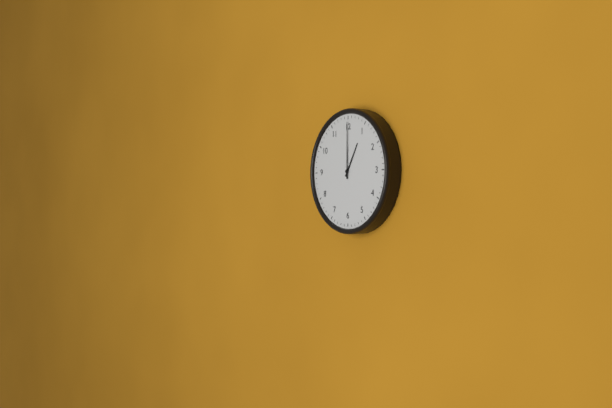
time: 1:00
